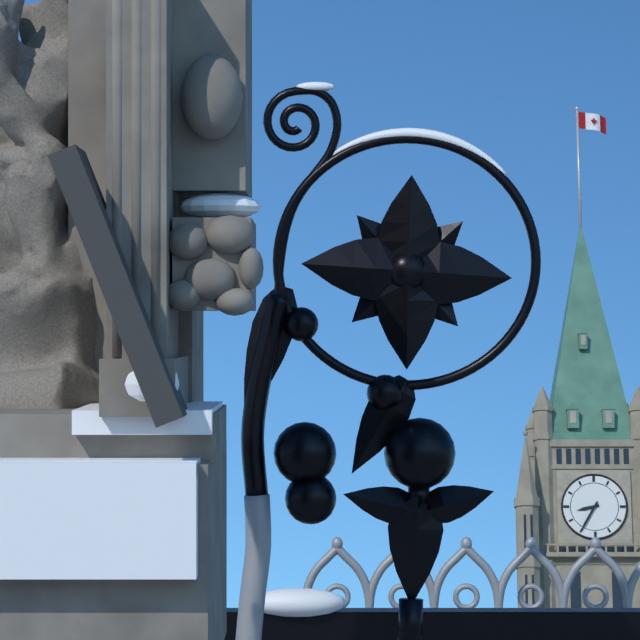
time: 8:35
